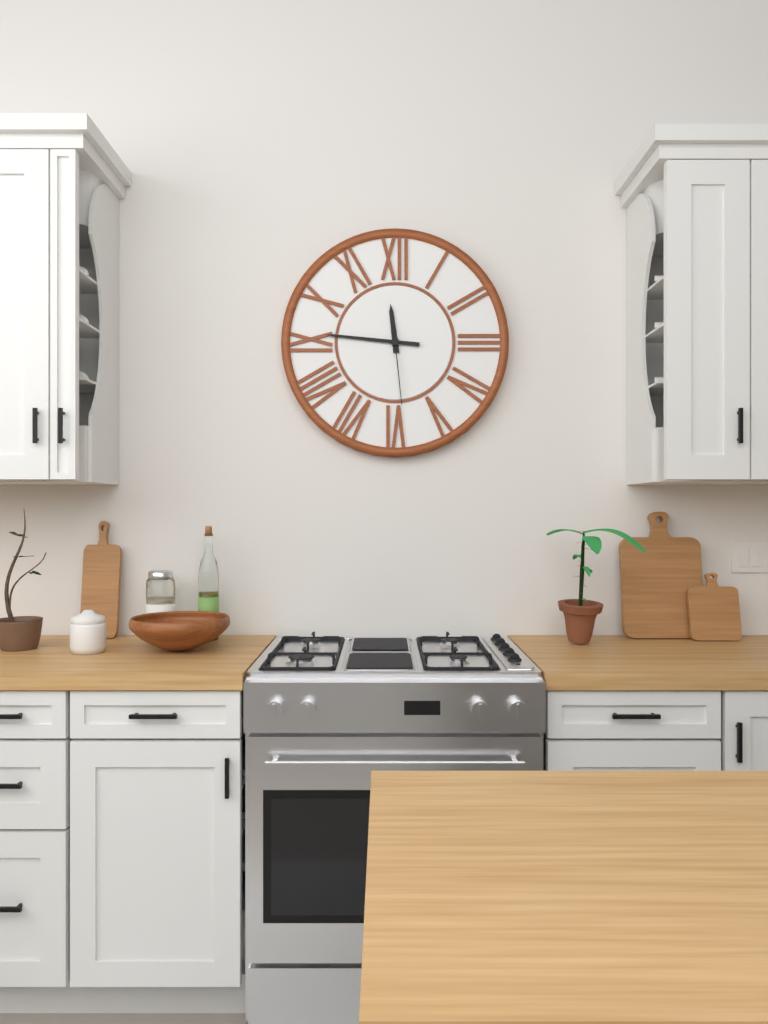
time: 11:46:29
